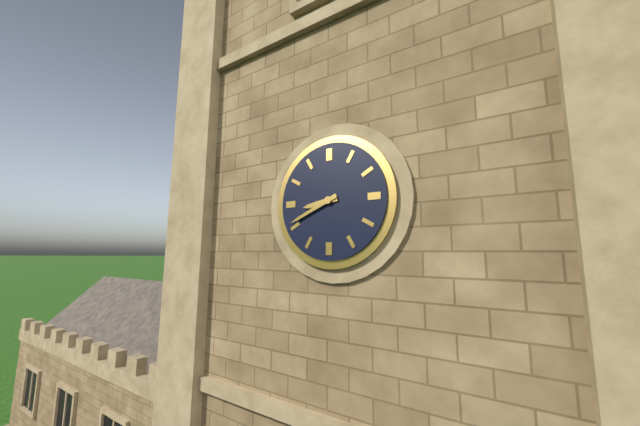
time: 8:41
